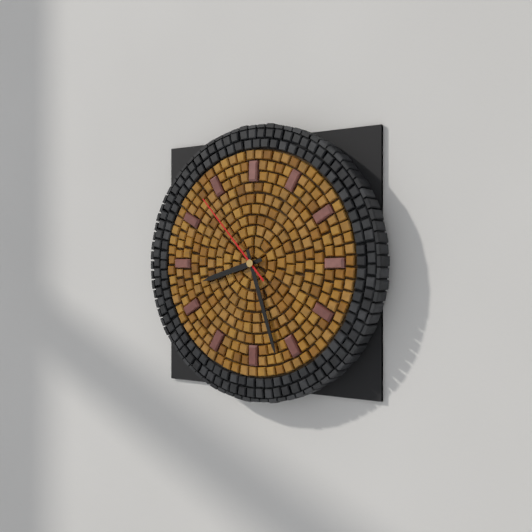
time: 8:27:53
